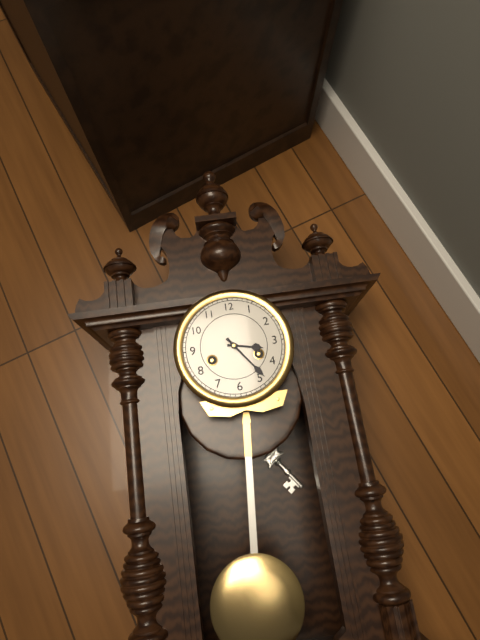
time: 3:24
